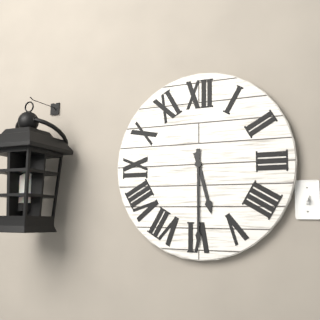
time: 5:30
